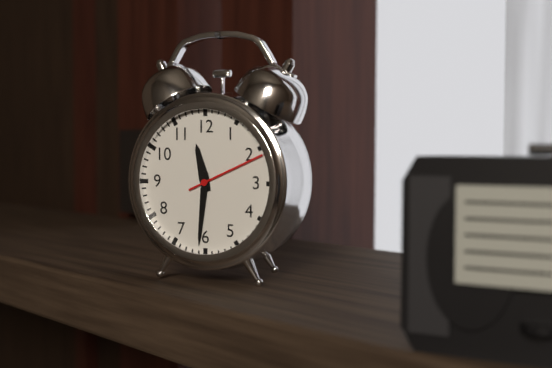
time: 11:31:11
